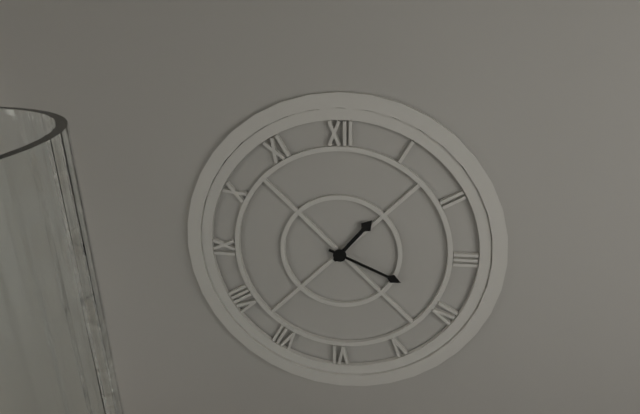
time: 1:19
